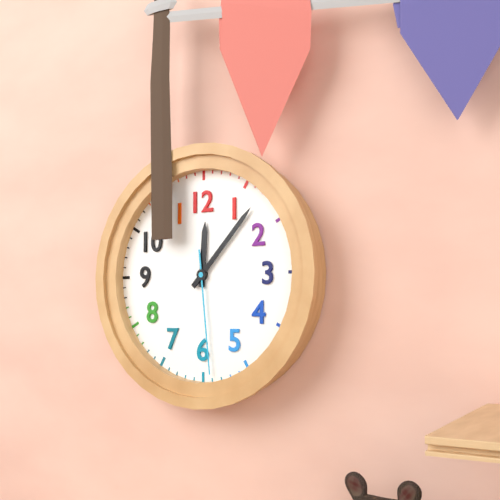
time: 12:07:29
